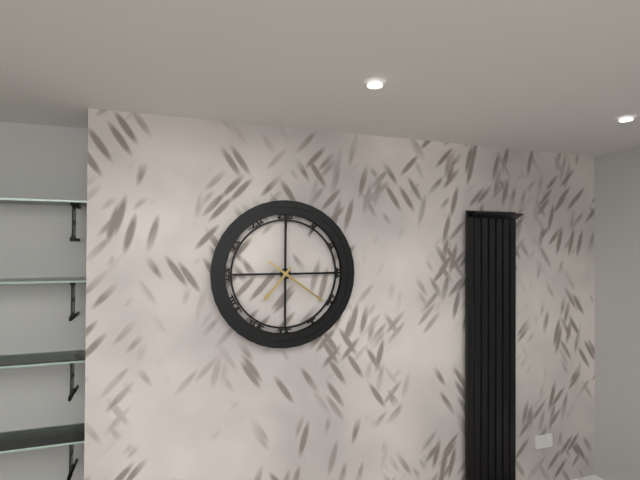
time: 7:21
